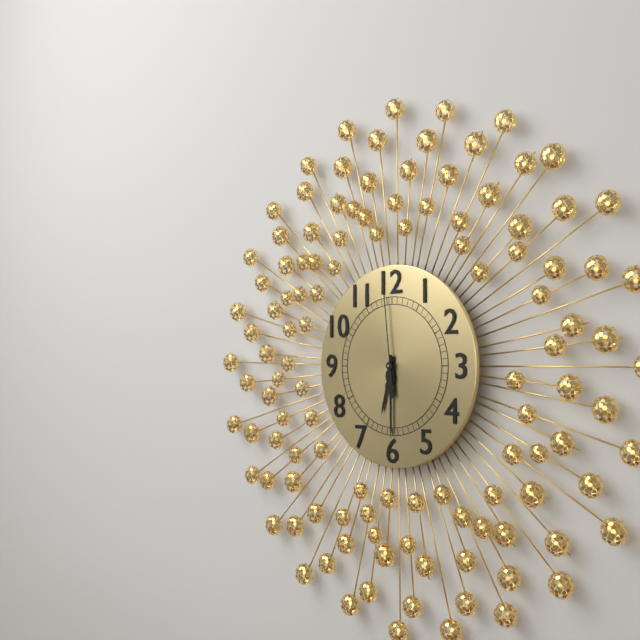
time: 6:30:59
